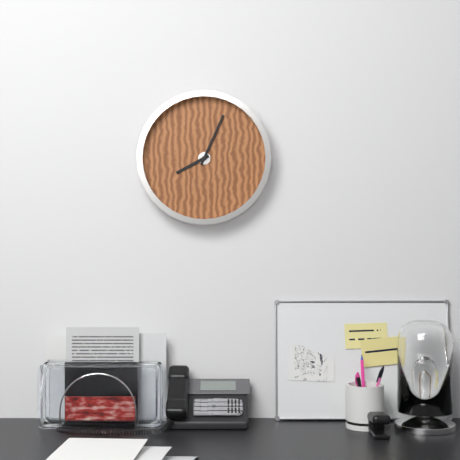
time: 8:04
